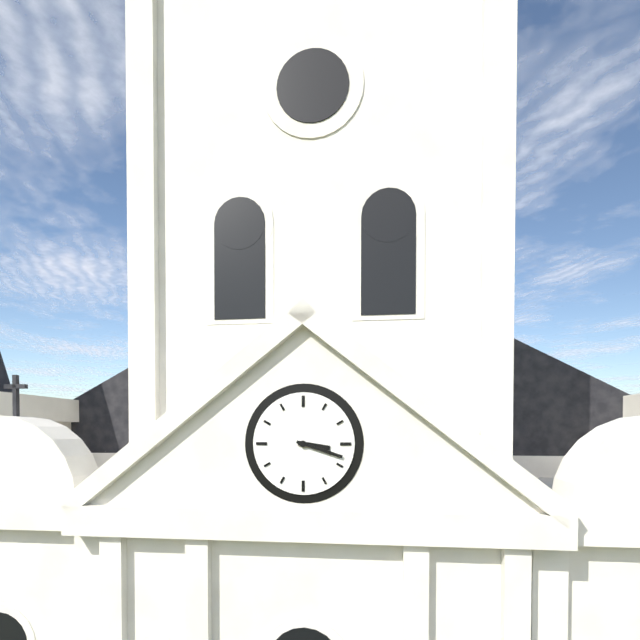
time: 3:18
